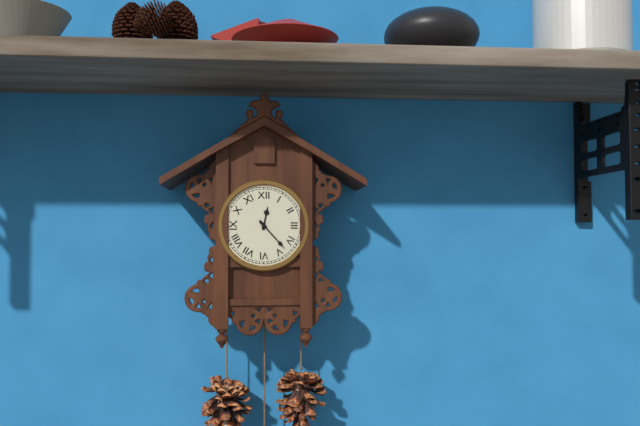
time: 12:23
